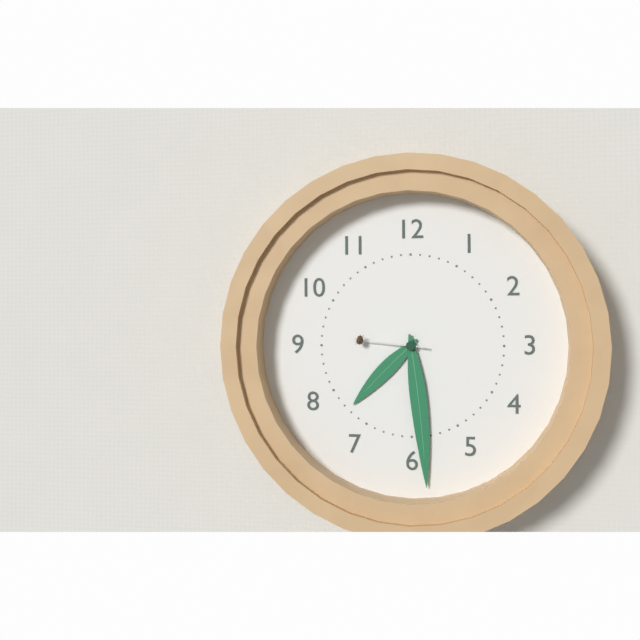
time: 7:29:46
